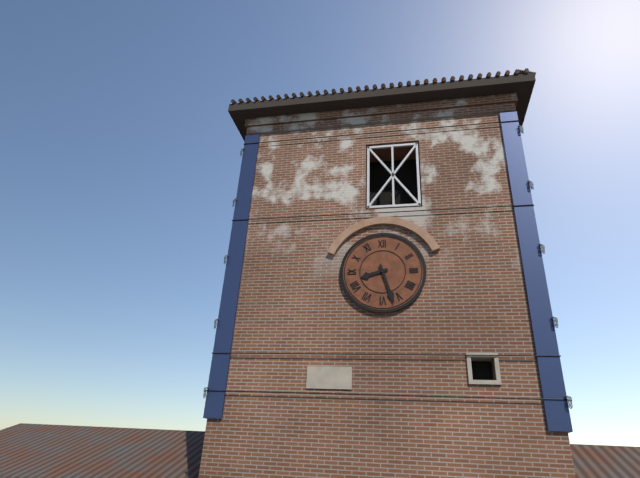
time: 8:27
